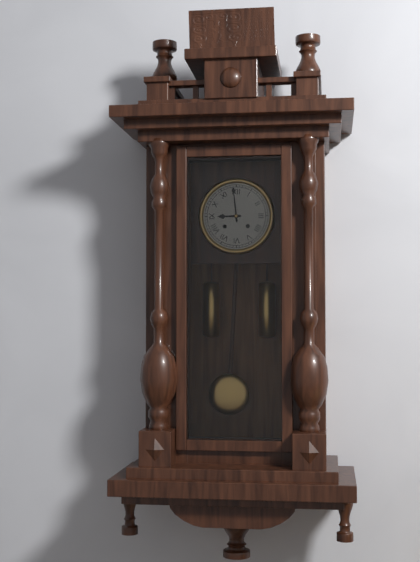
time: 8:59
